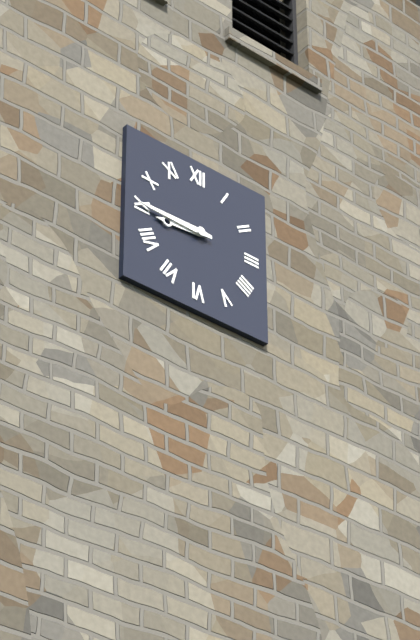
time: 8:45
